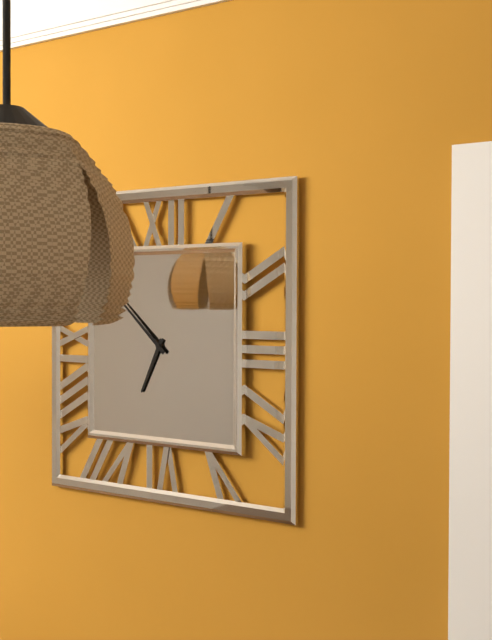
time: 6:52
